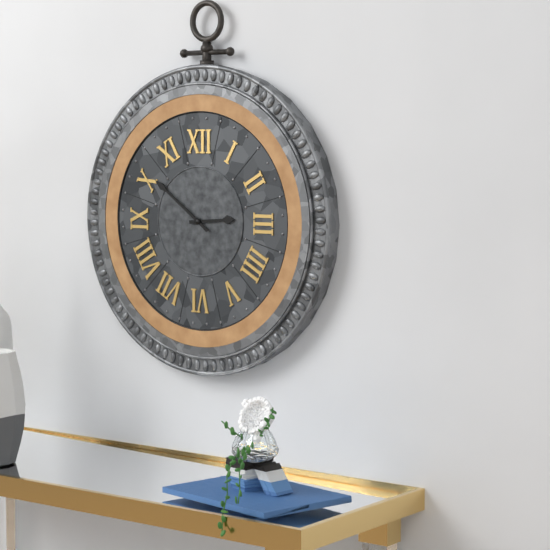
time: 2:51
